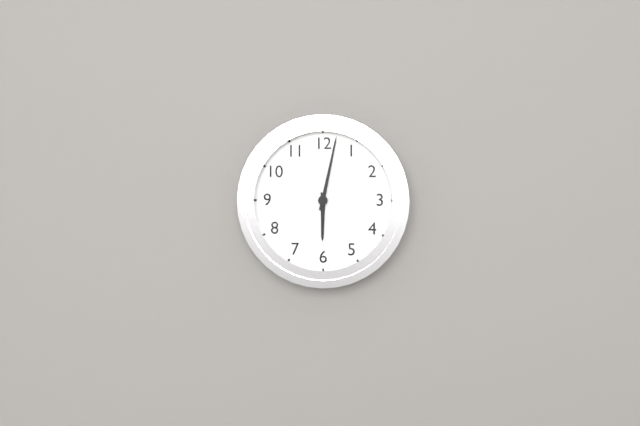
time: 6:02
